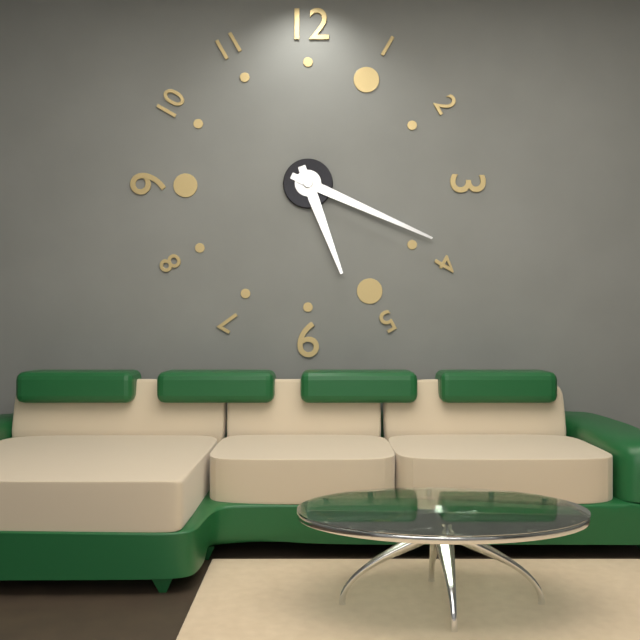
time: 5:19
